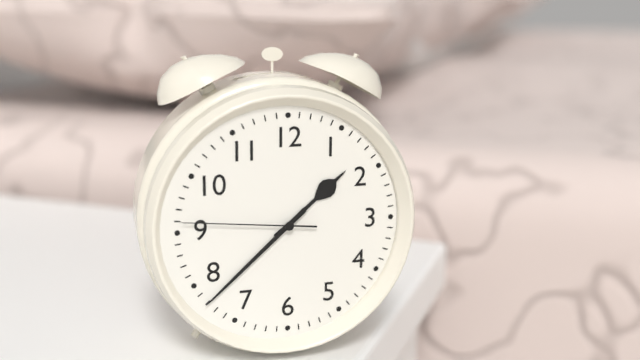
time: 1:38:46
